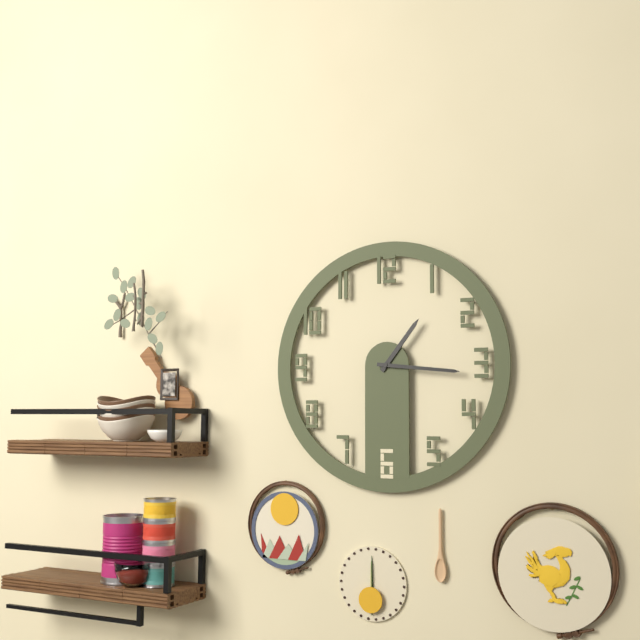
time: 1:16
